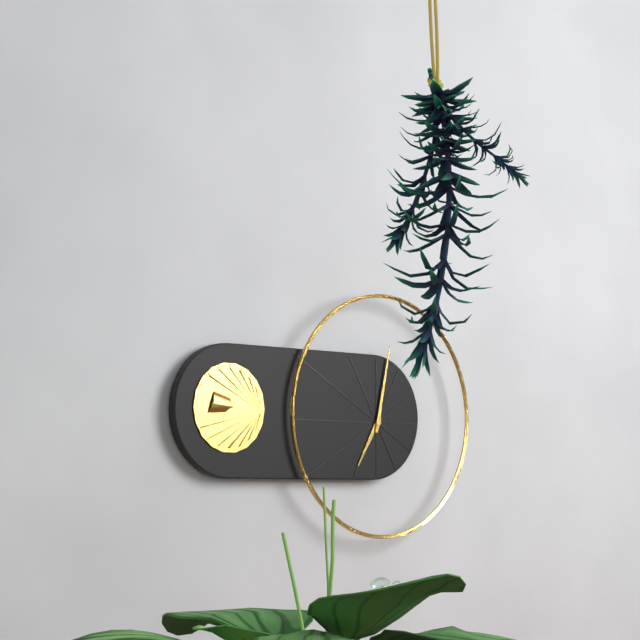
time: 7:02
